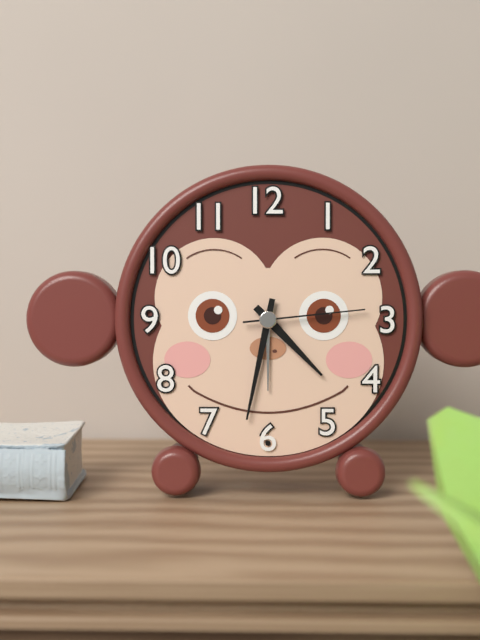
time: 4:32:14
